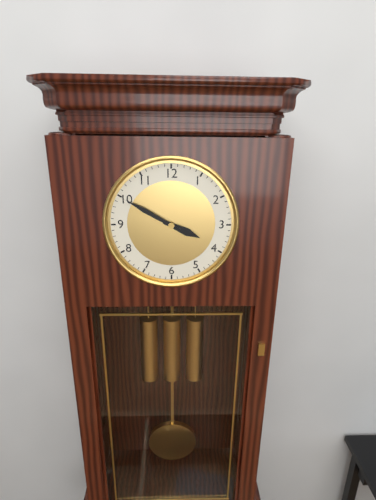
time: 3:50
